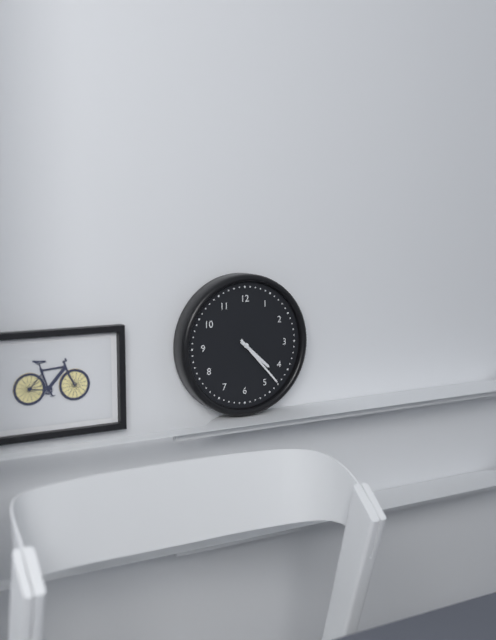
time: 4:23
